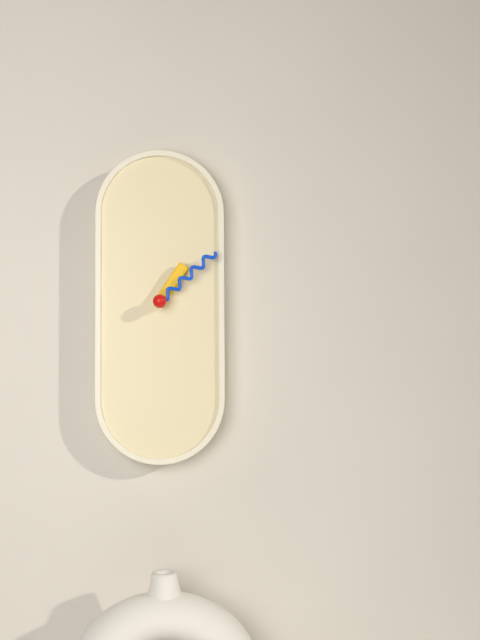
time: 1:08
